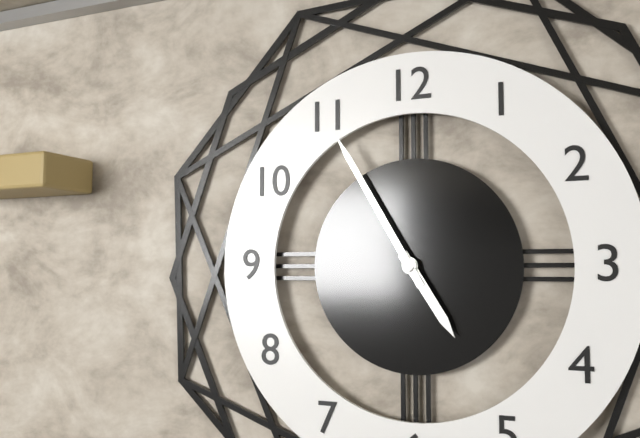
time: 4:55
